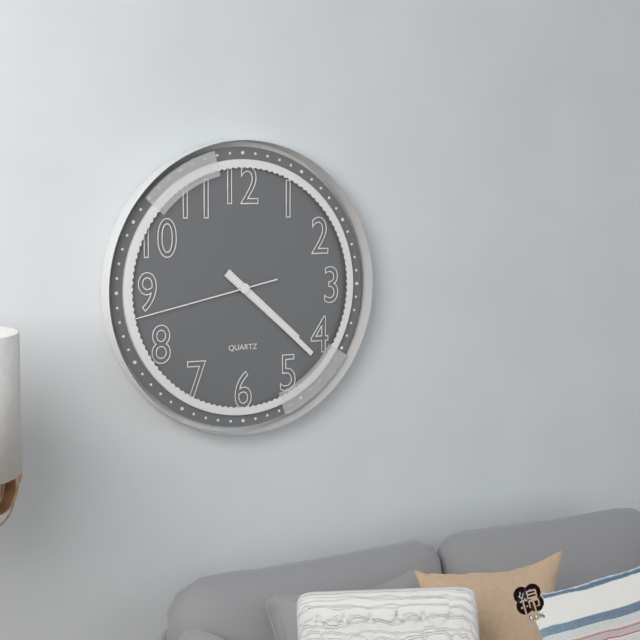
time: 4:22:43
